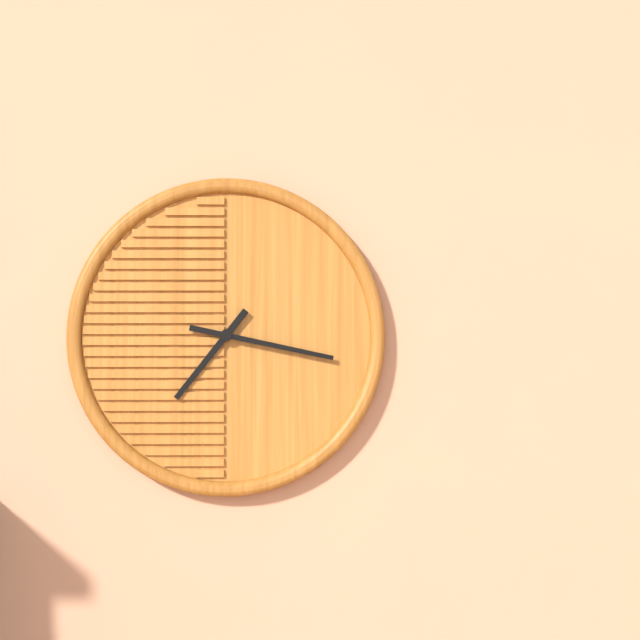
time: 7:17
